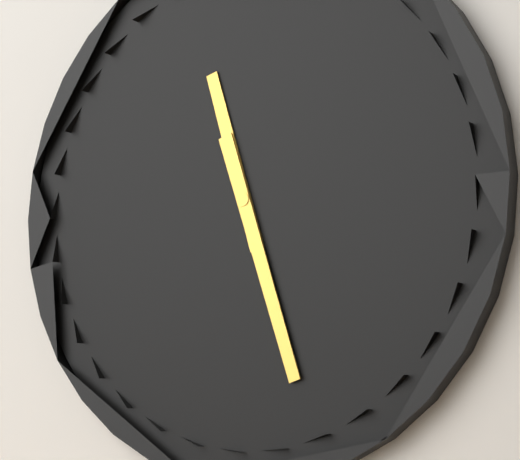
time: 11:27
